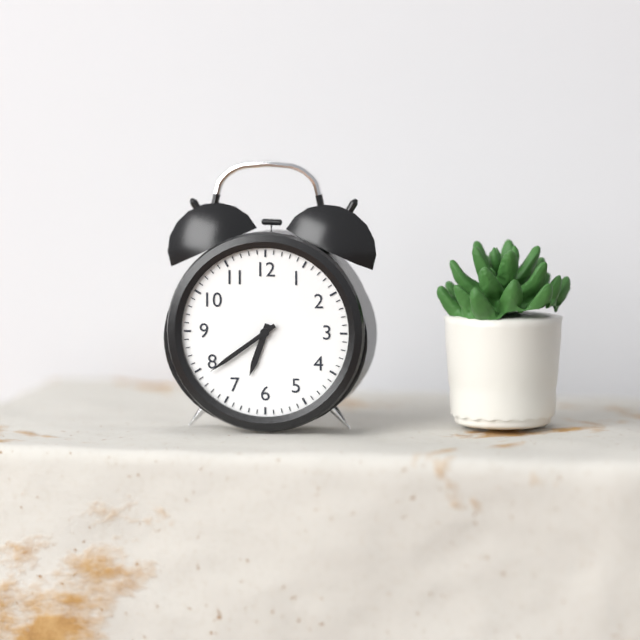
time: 6:39
